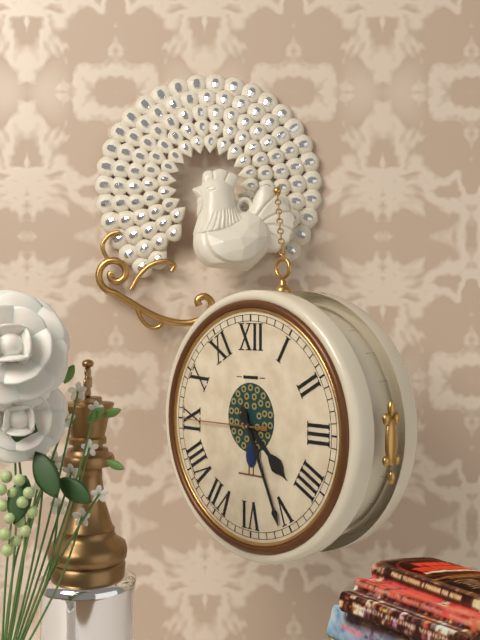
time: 4:26:45
